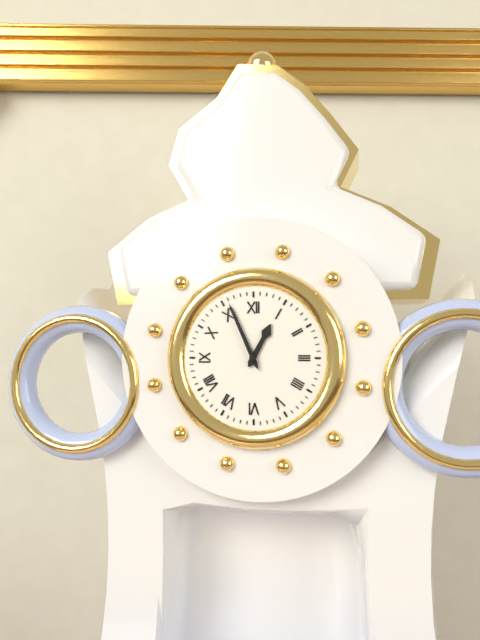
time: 12:56
